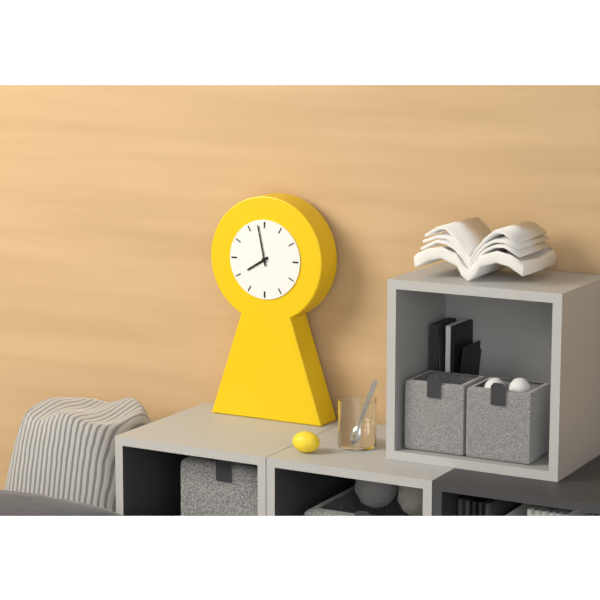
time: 7:58
